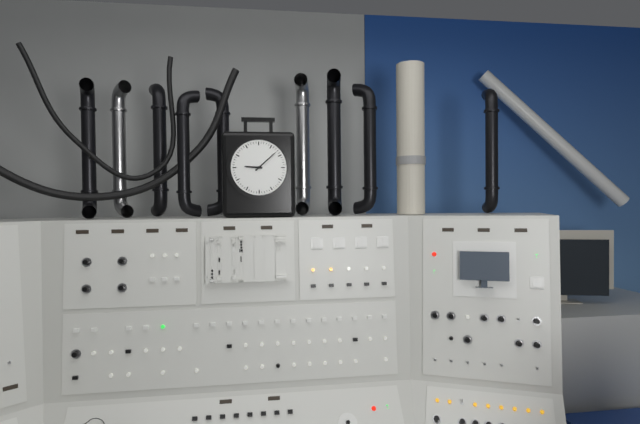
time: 9:08
